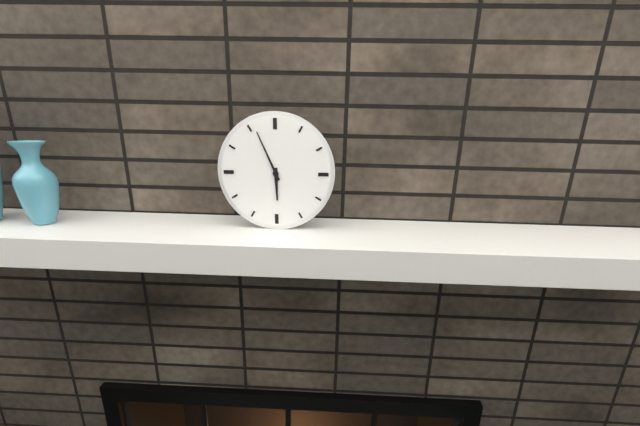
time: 5:56
